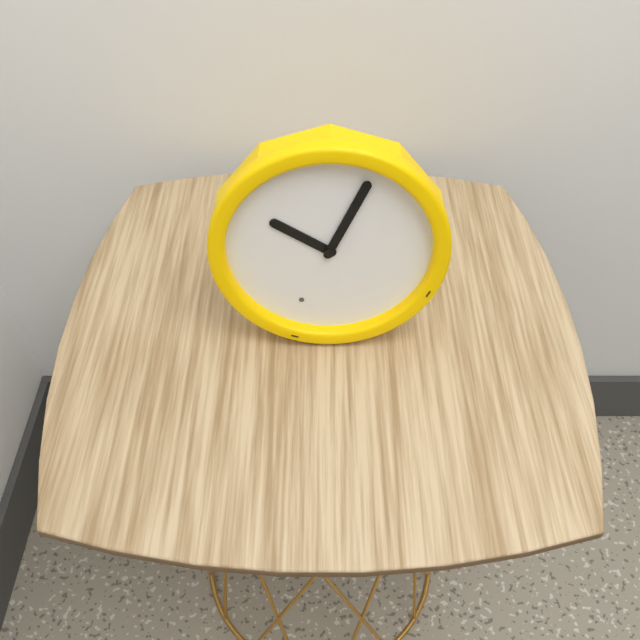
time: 10:04
